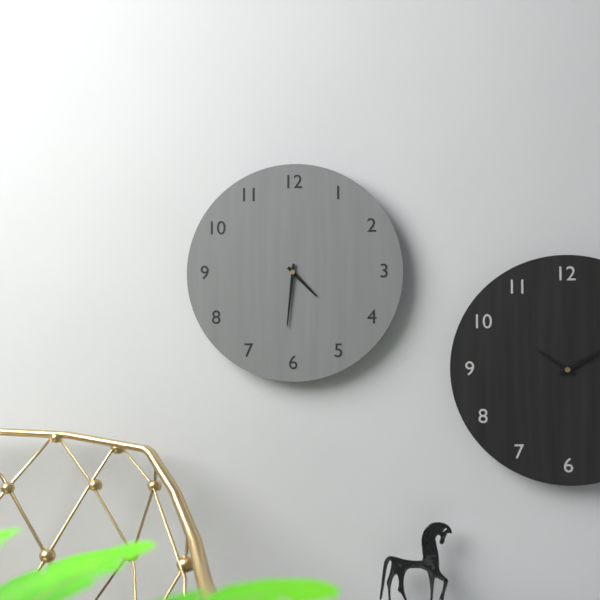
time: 4:31
